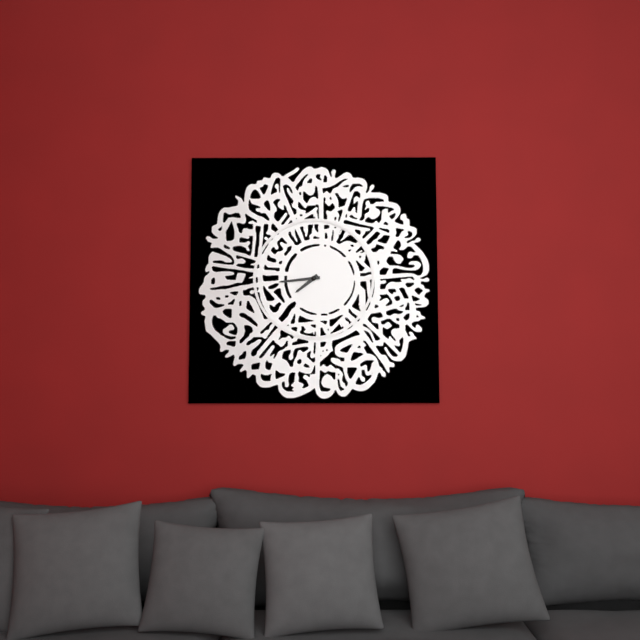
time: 7:44
